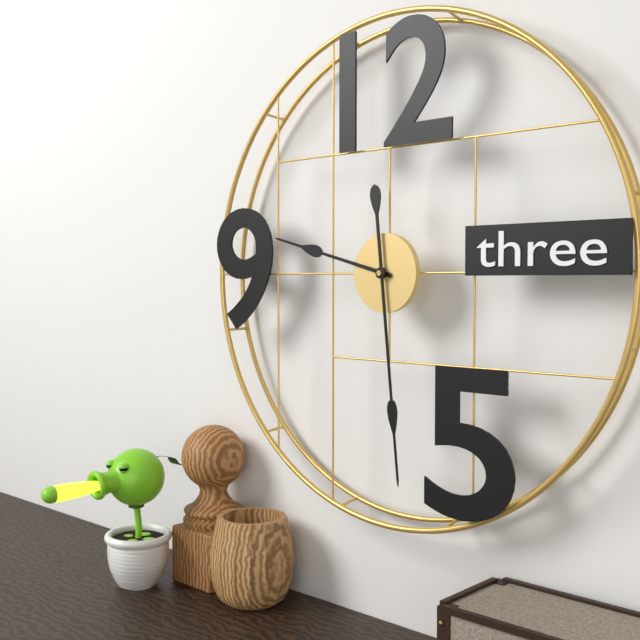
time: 9:29
